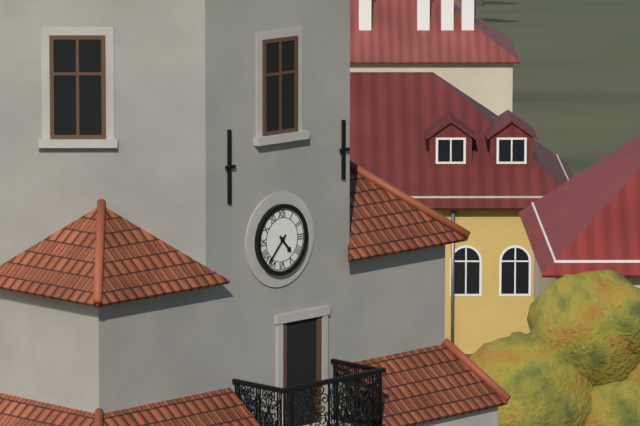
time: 4:37
